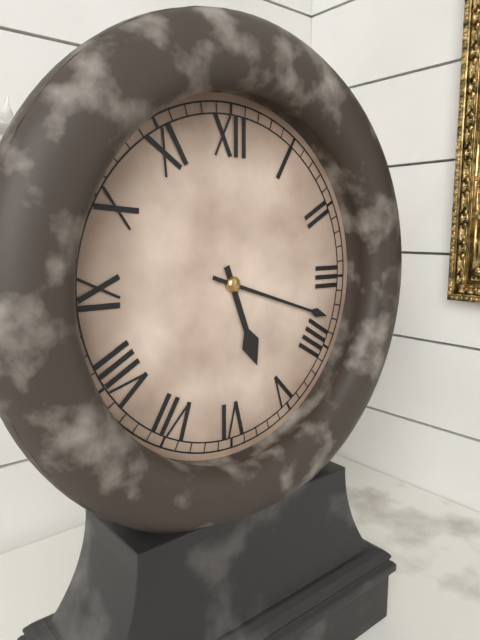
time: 5:18
